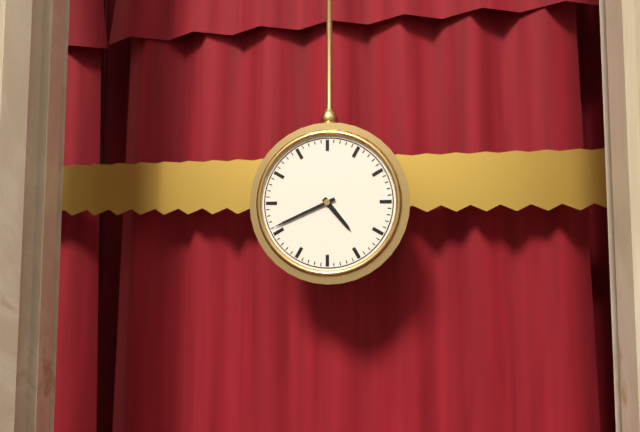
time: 4:41
